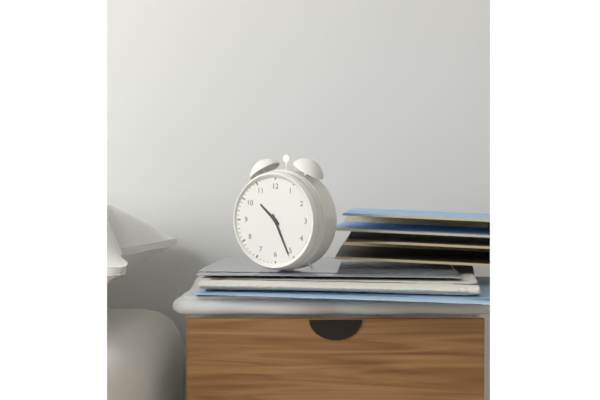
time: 10:26
